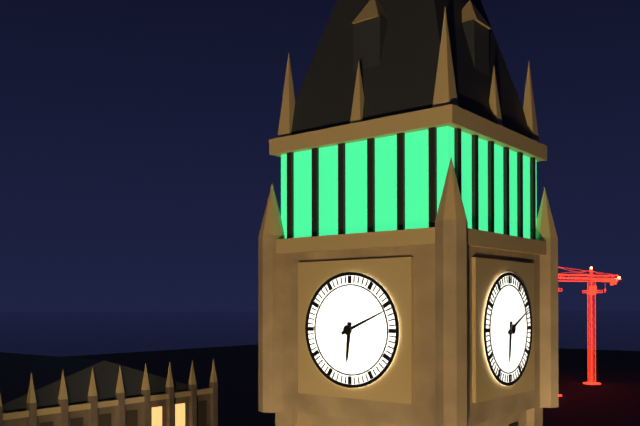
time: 6:11
